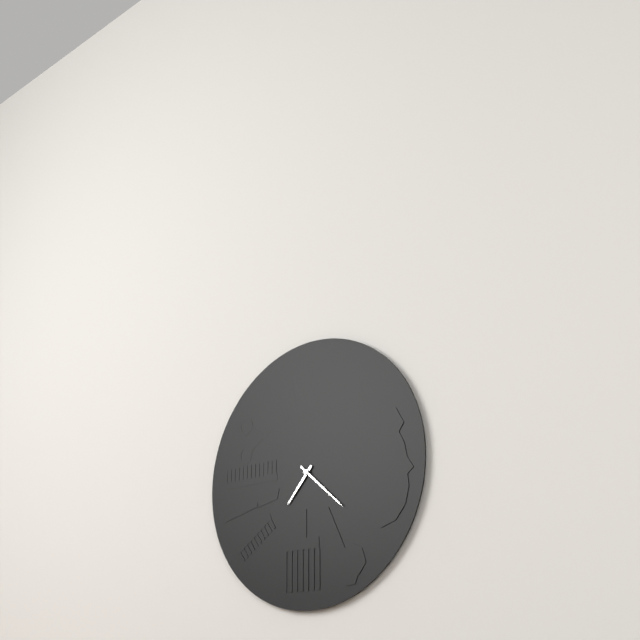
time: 7:22
